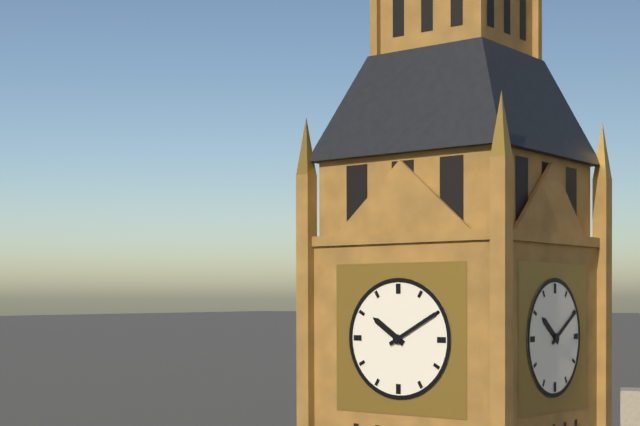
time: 10:10
